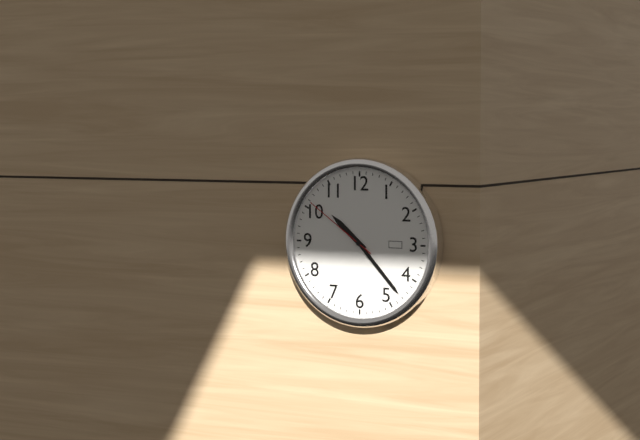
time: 10:23:51
